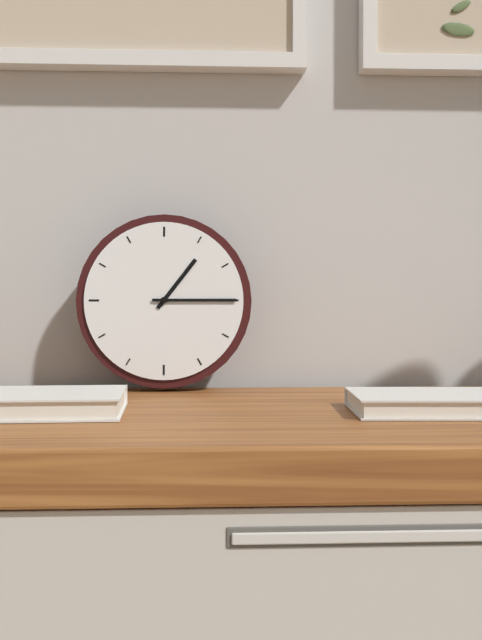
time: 1:15
